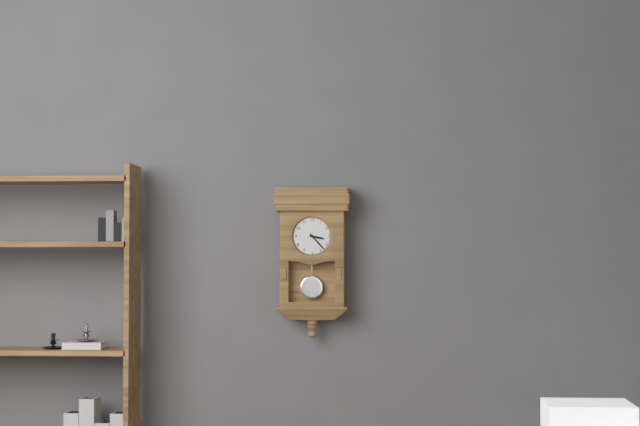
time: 3:23
